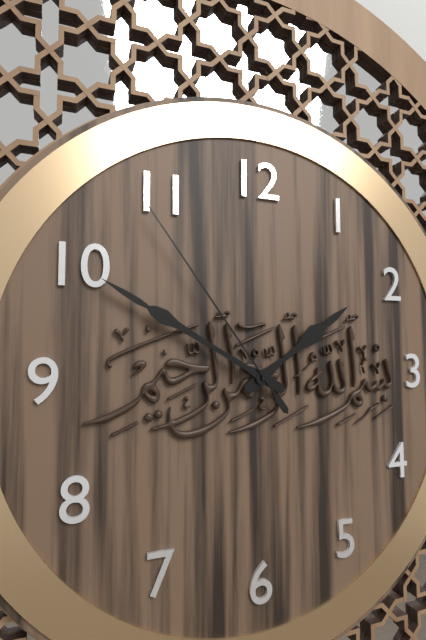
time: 1:50:54
